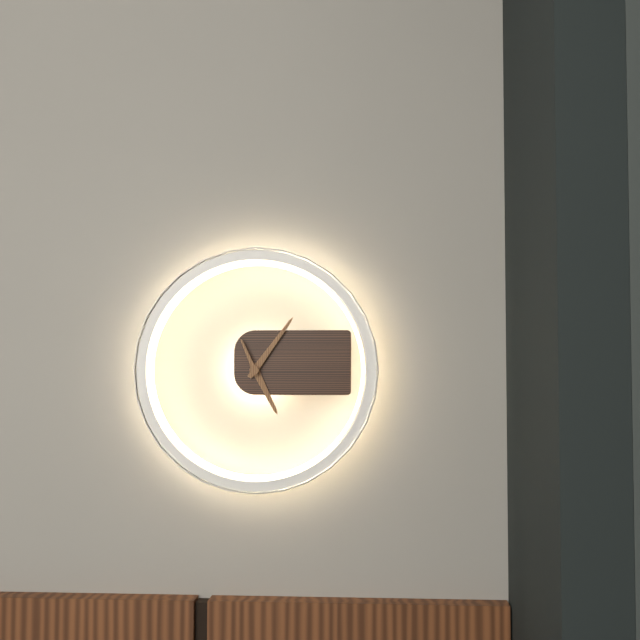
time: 5:06
